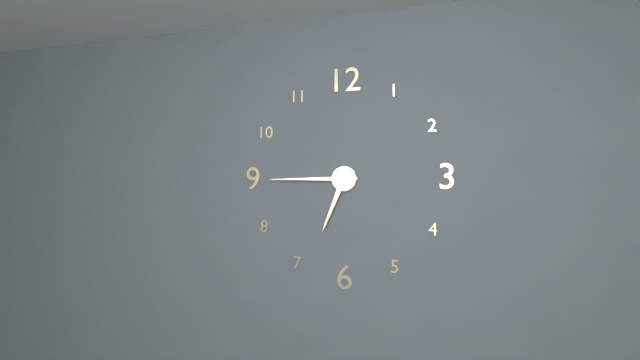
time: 6:45
